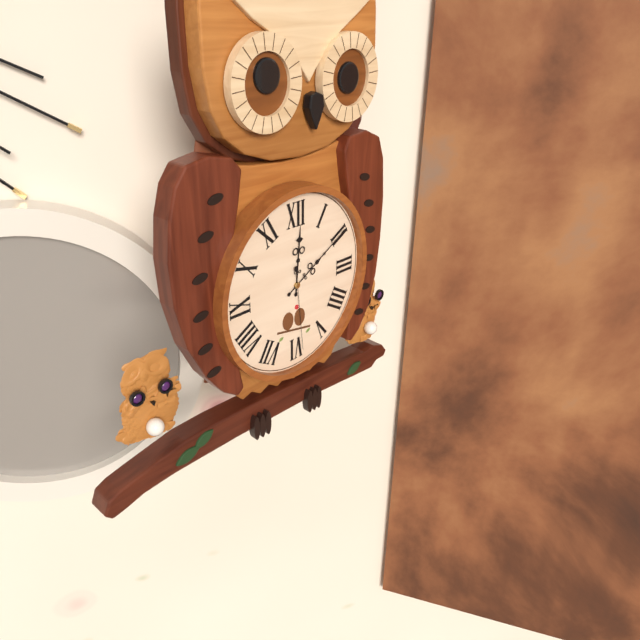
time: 12:10:29
